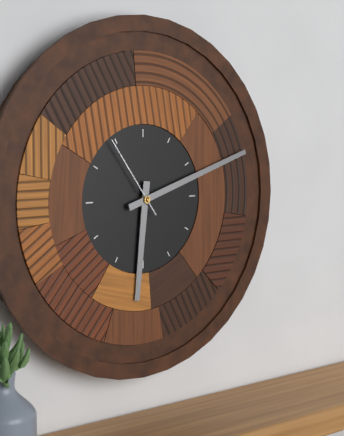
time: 6:12:54
